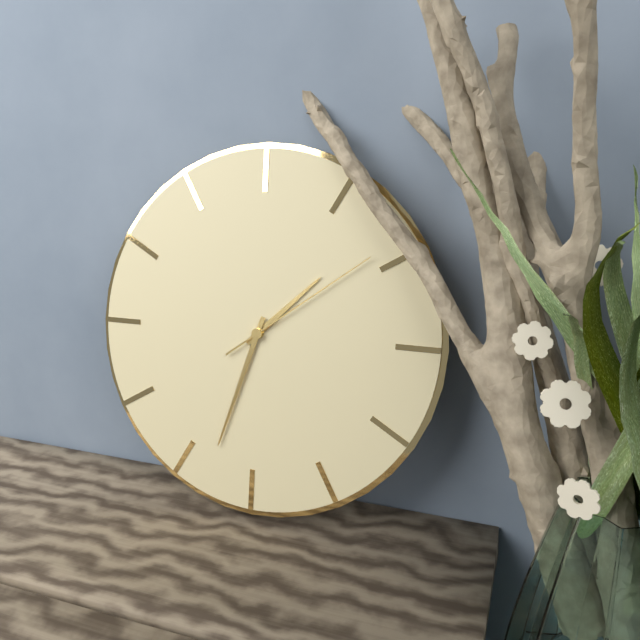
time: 1:33:09
